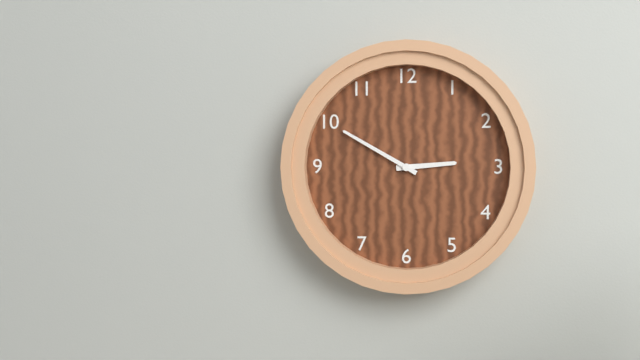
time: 2:50
